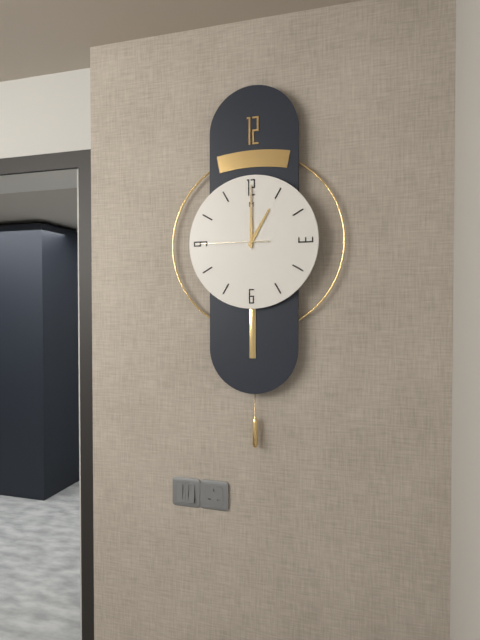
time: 1:00:45
